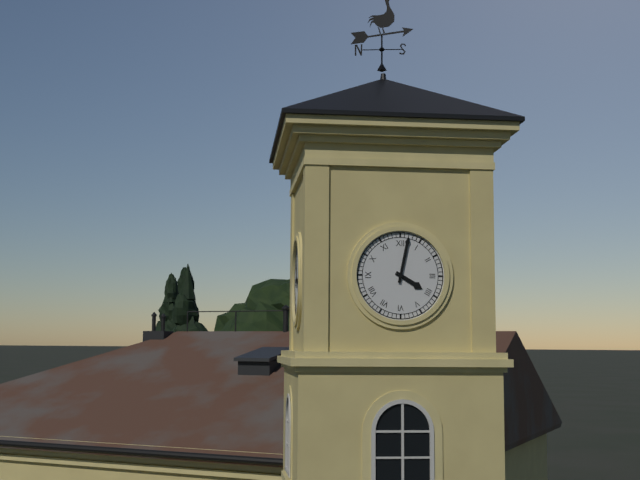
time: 4:02
